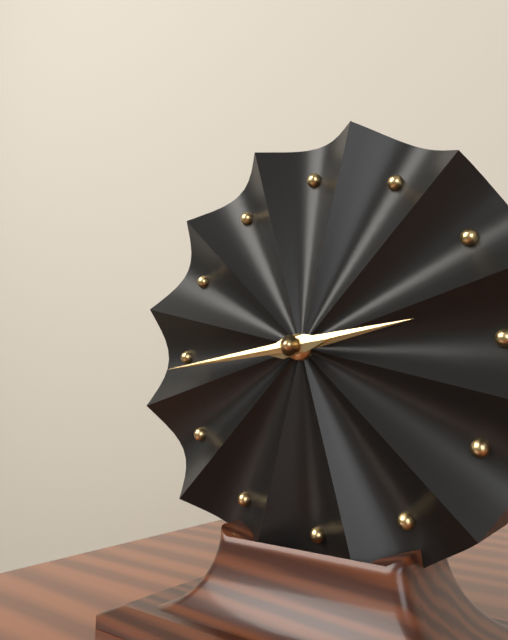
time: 2:44
